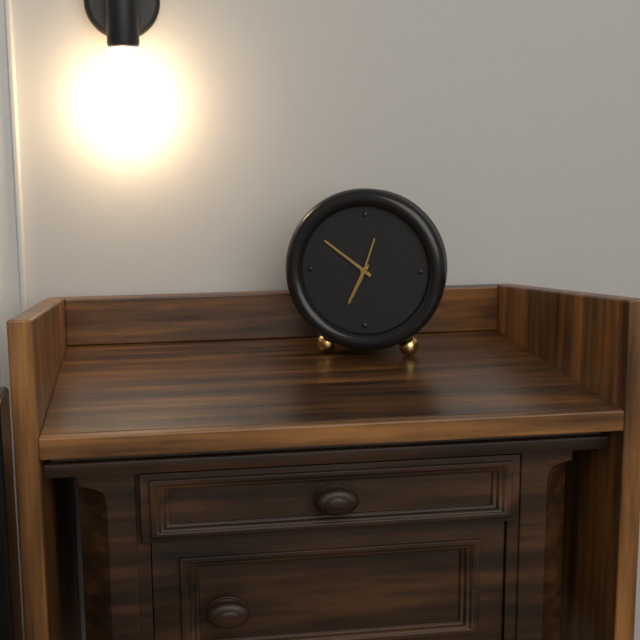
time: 6:51
